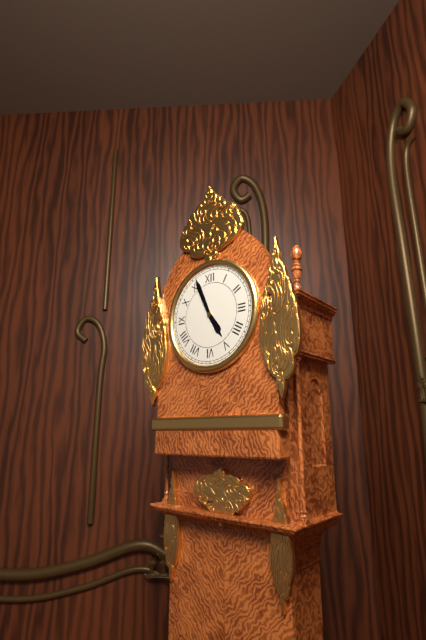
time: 4:56
